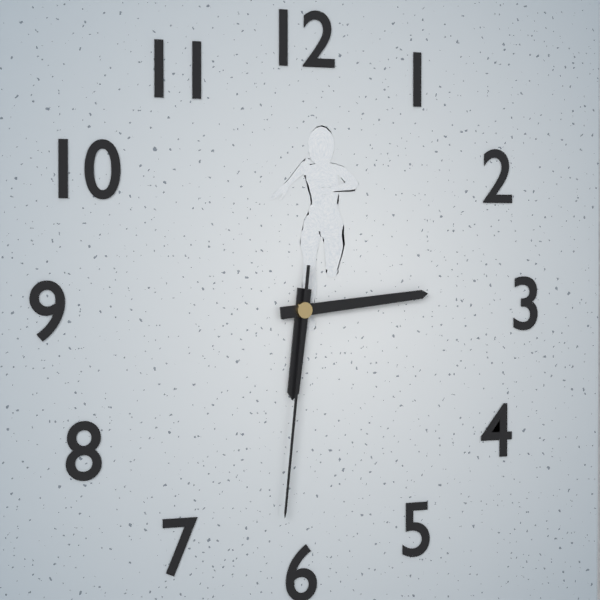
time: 6:14:31
